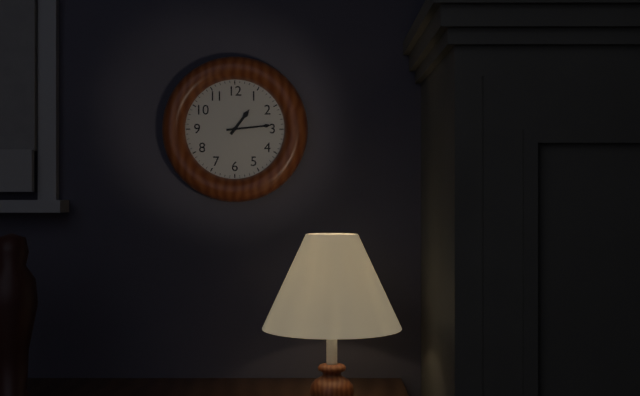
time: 1:14
